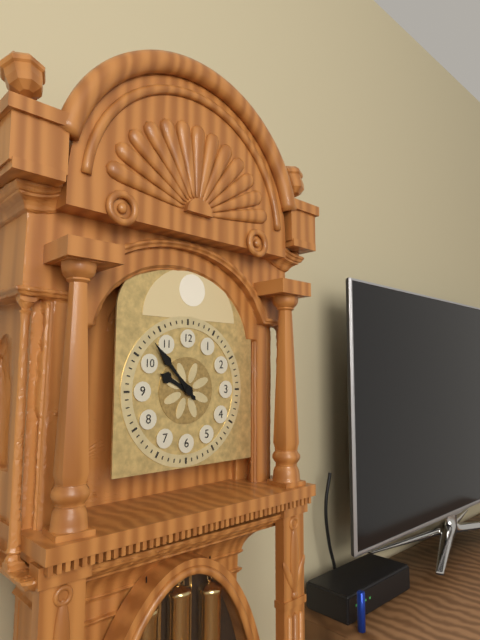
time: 9:53
